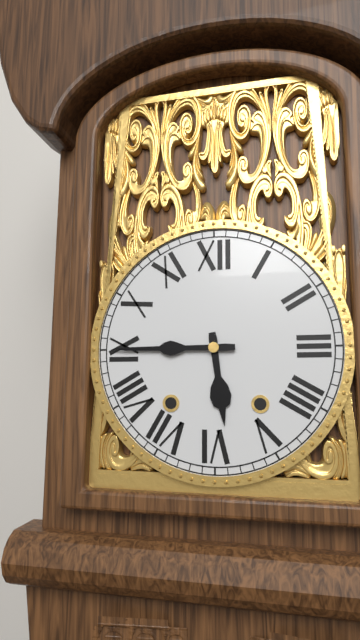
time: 5:45
